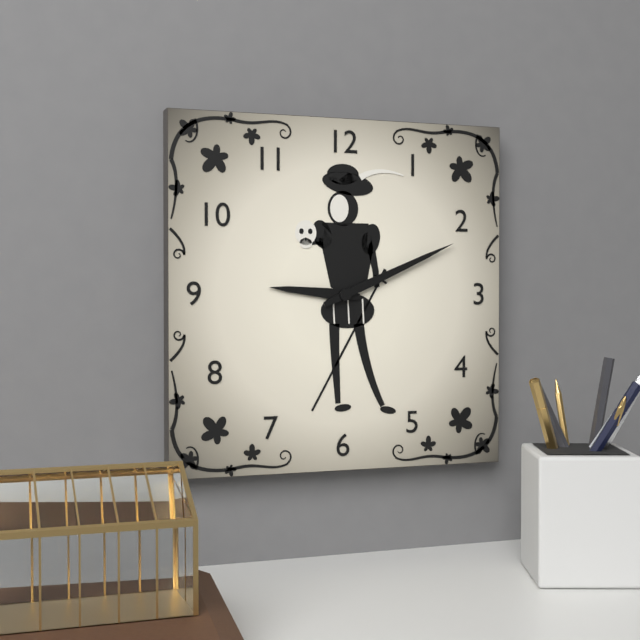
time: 9:11
